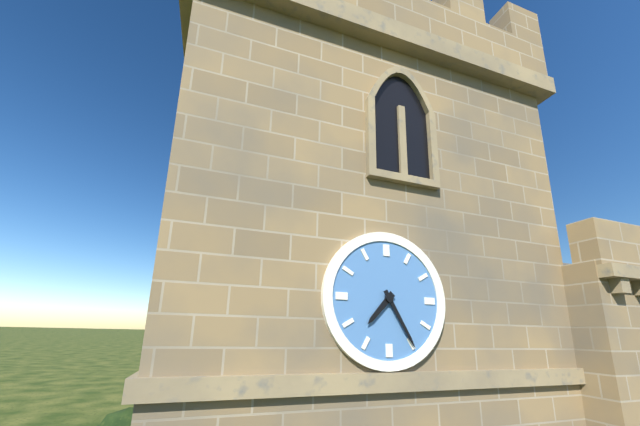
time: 7:25
